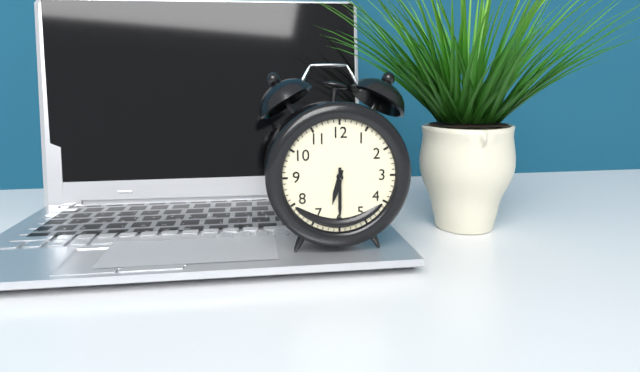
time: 6:30
